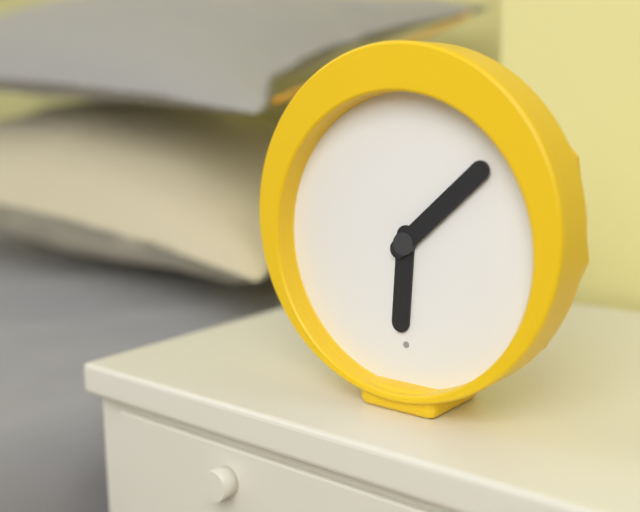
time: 6:08
